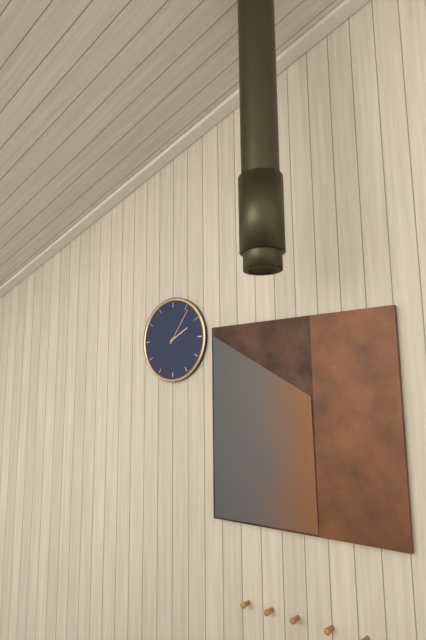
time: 2:06
